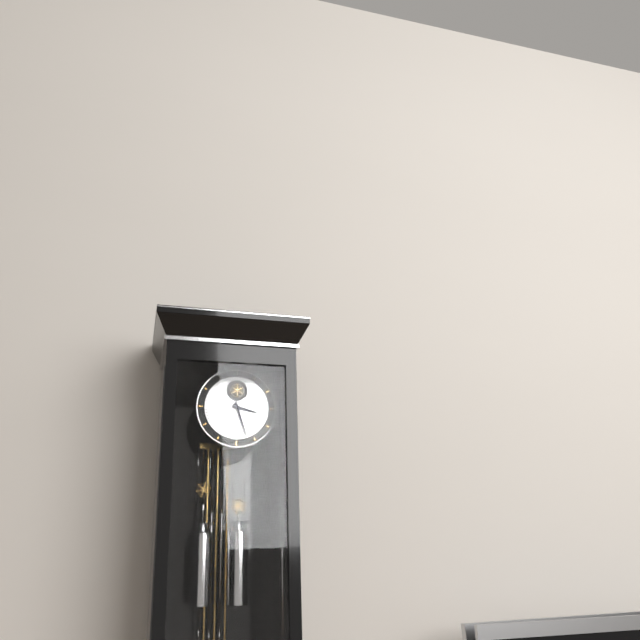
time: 3:27
